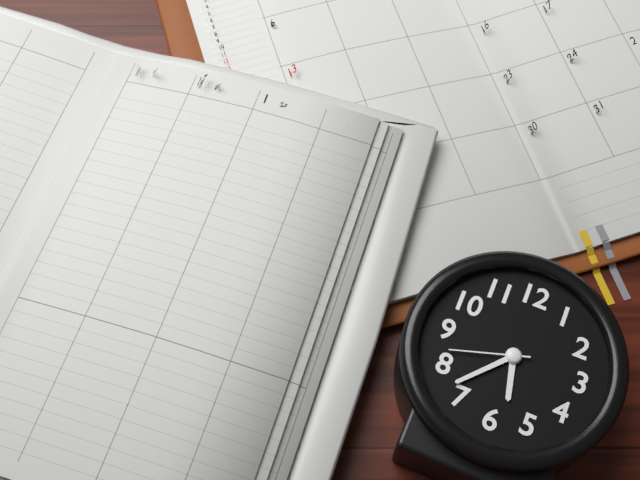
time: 5:37:42
